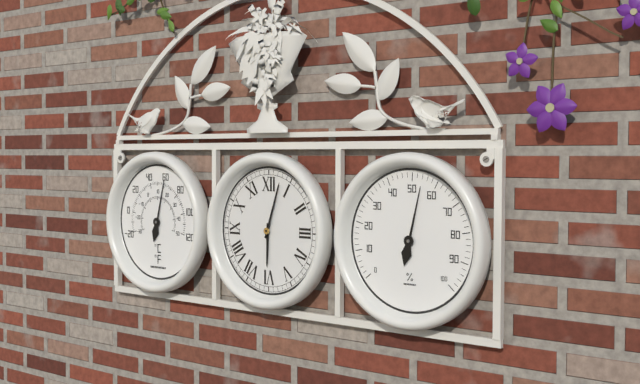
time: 6:03
